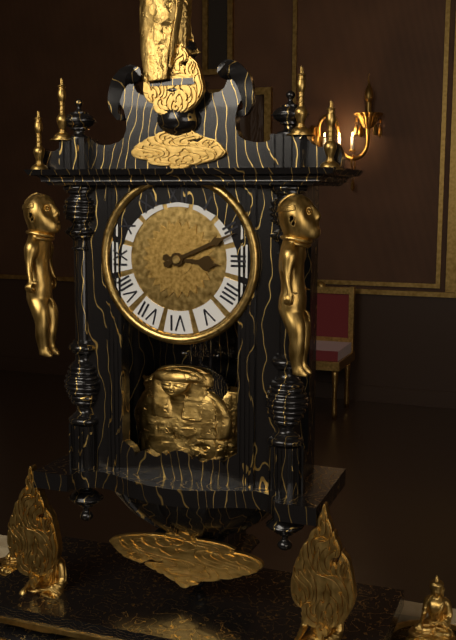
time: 3:11
